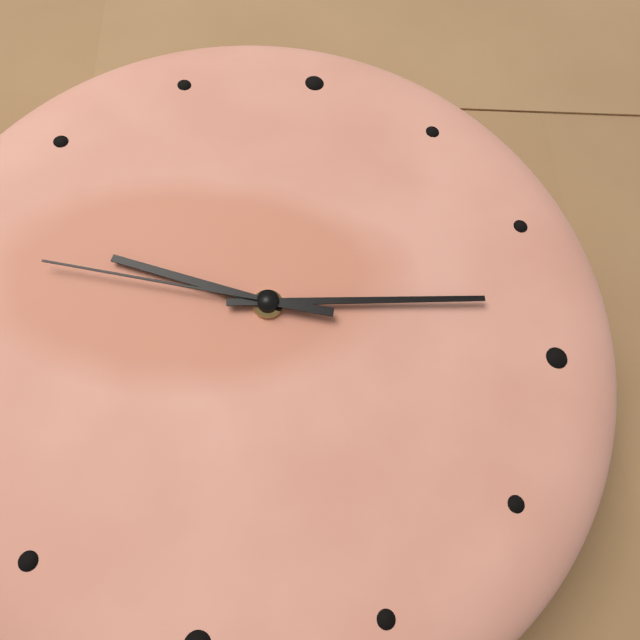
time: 9:13:45
